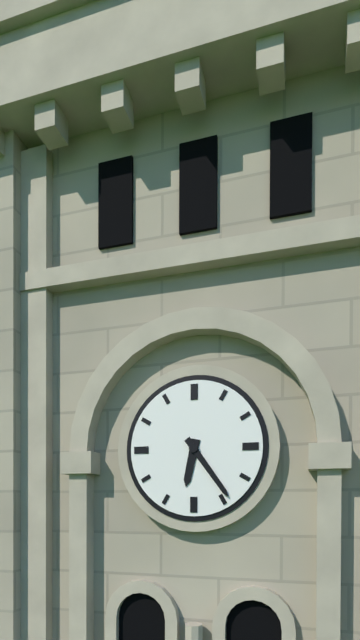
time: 6:24
